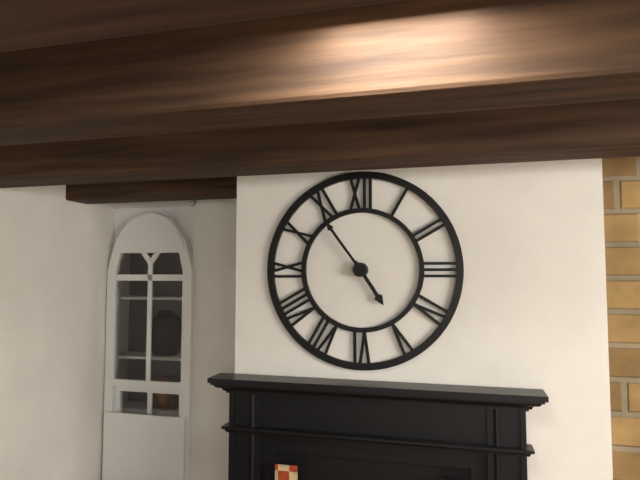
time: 4:54
